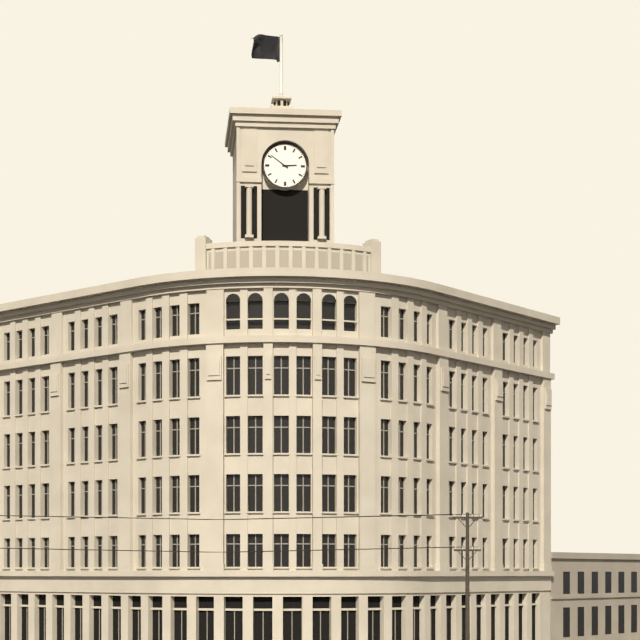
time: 2:51
